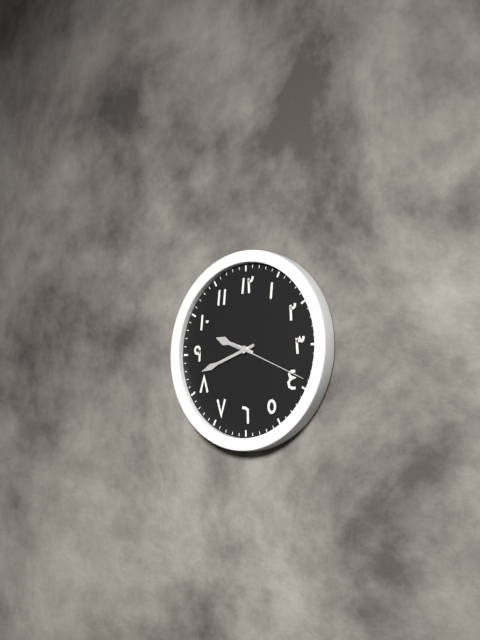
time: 9:42:19
